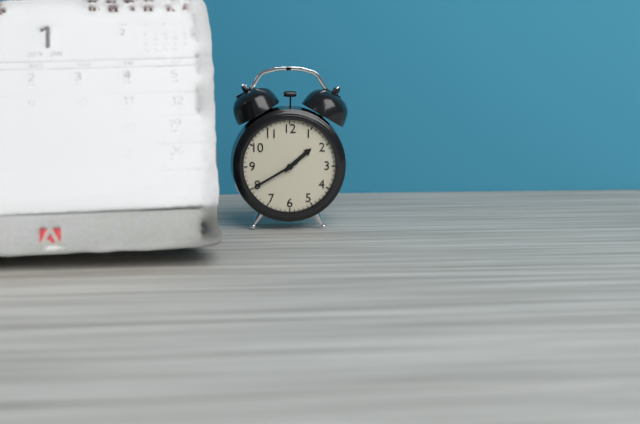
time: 1:40
